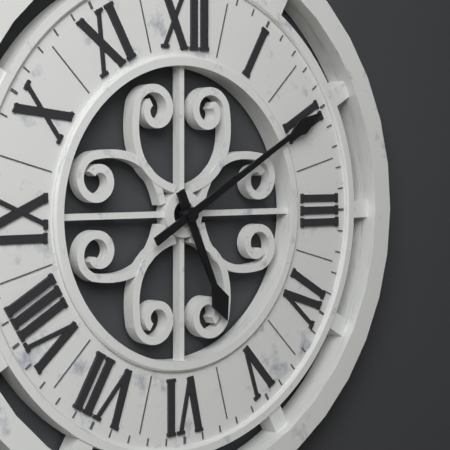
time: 5:10
